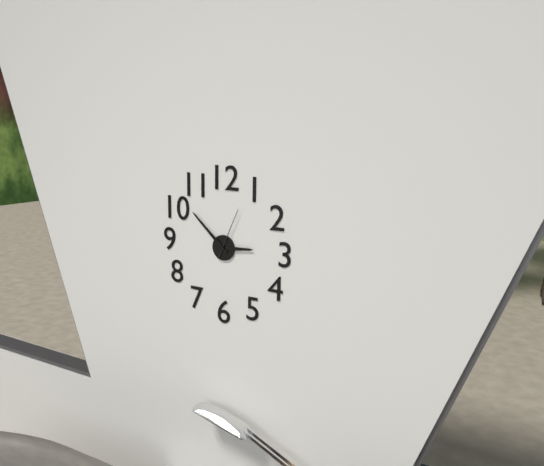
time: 2:52:04
